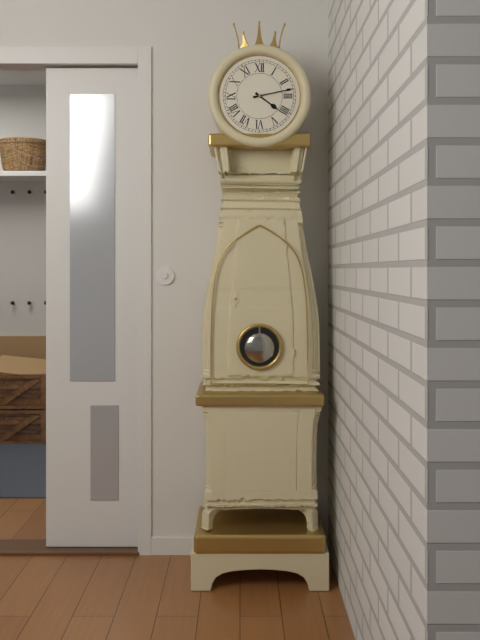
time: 4:13
